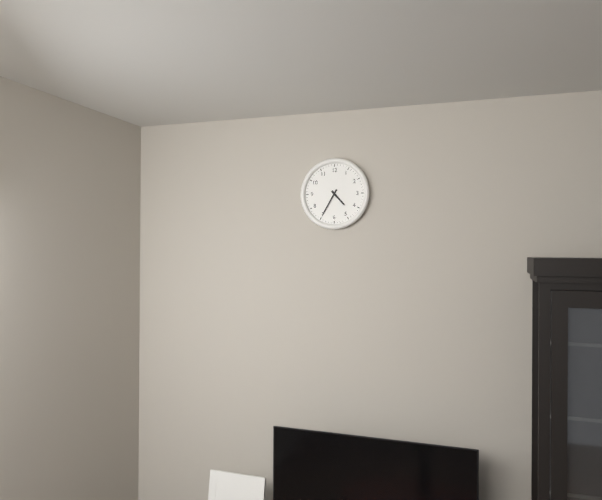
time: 4:35
